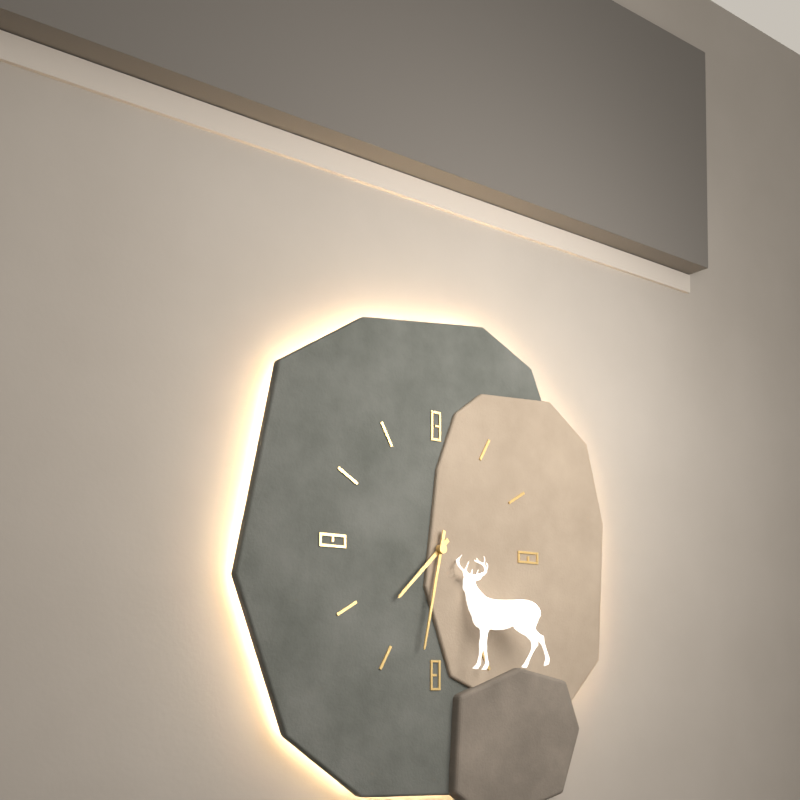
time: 7:32
